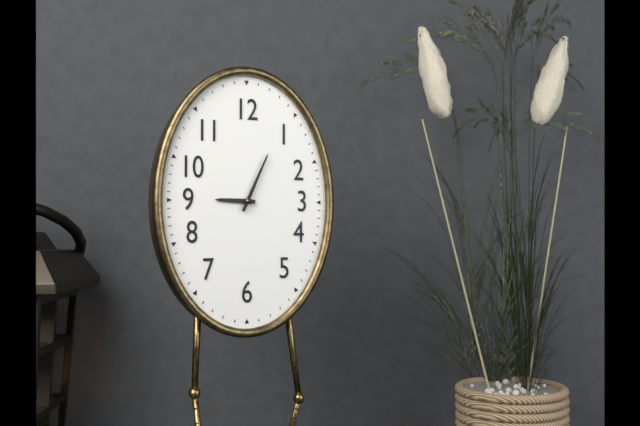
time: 9:04
